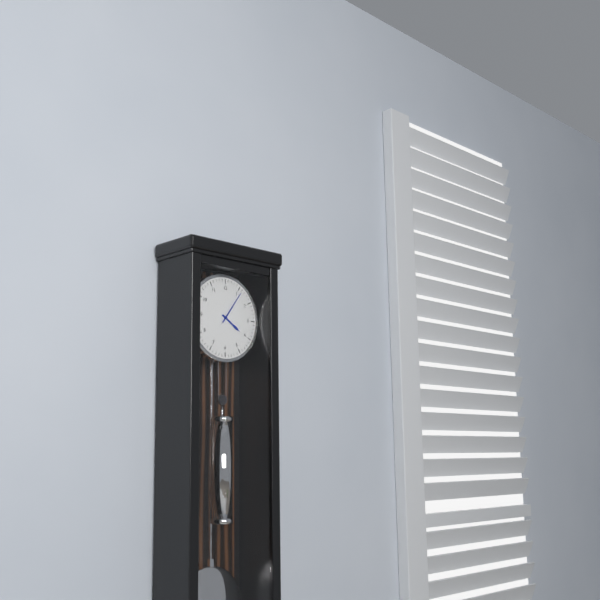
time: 4:06
